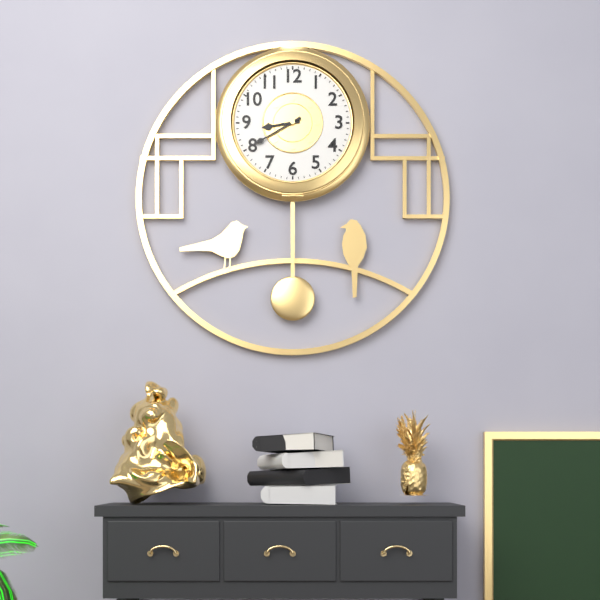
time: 8:40
